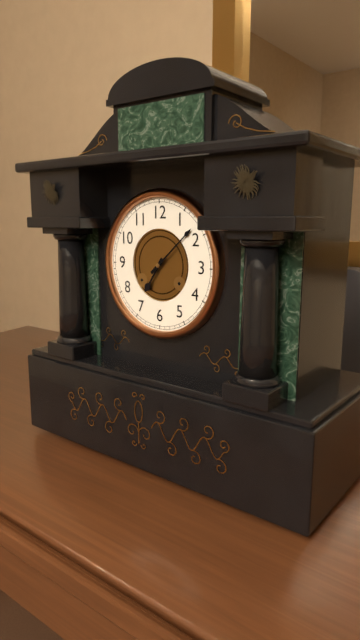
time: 7:08
